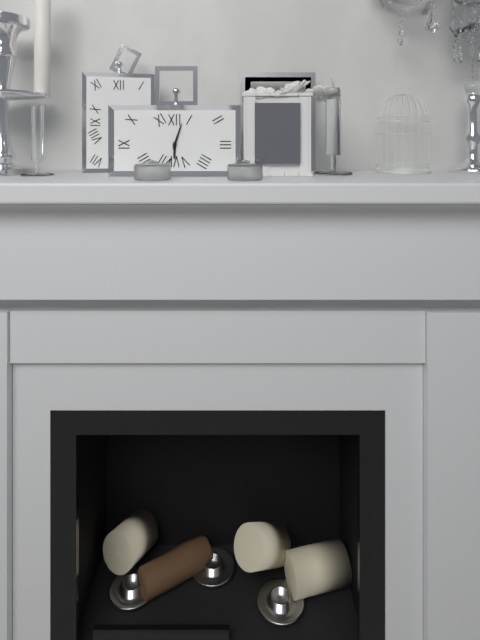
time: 6:03
